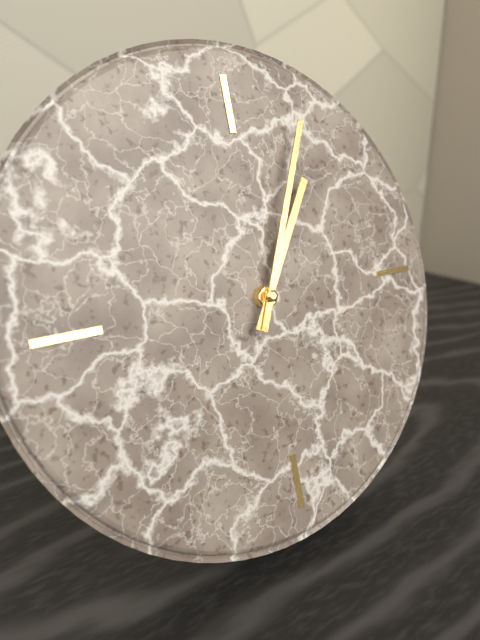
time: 1:04
